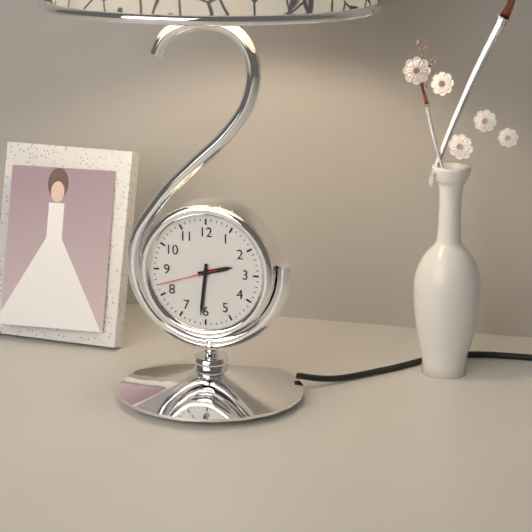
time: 2:31:42
